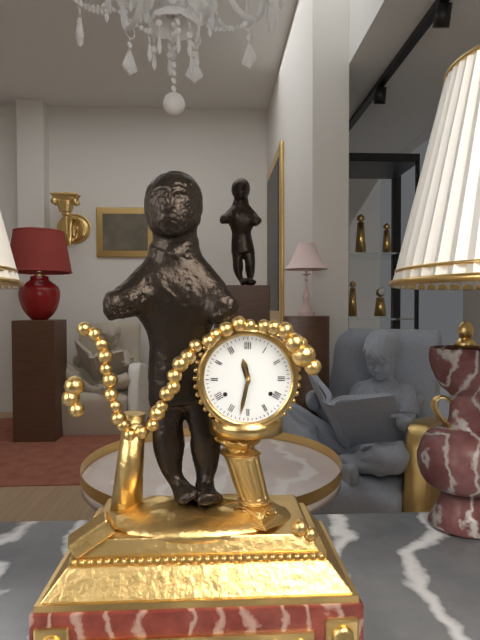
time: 11:32
